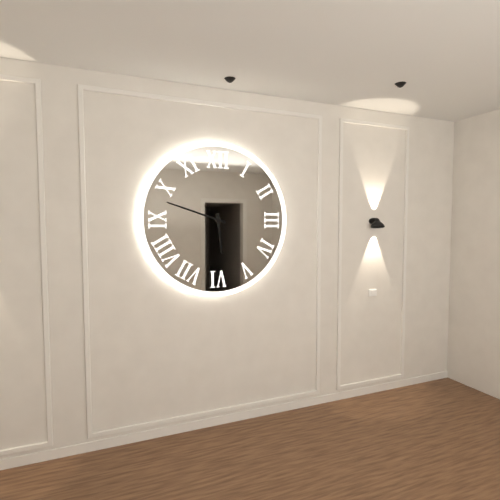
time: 5:48
